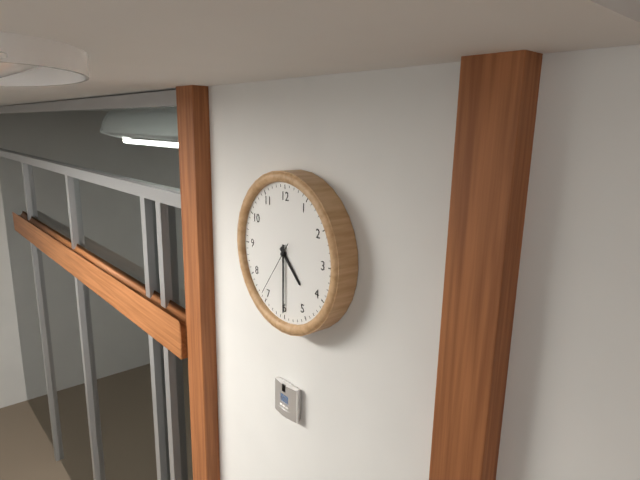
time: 4:30:36
